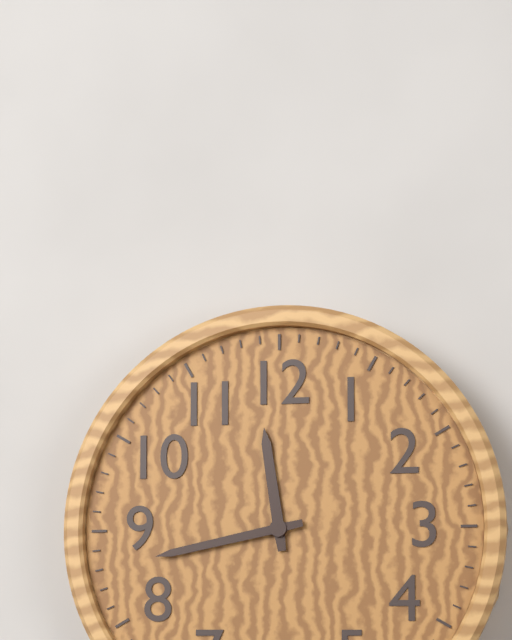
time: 11:43
